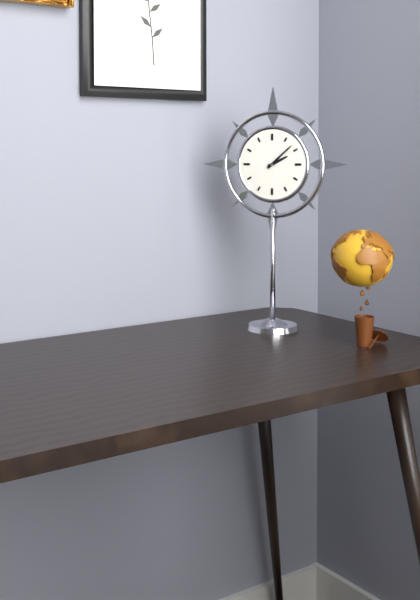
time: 2:08
